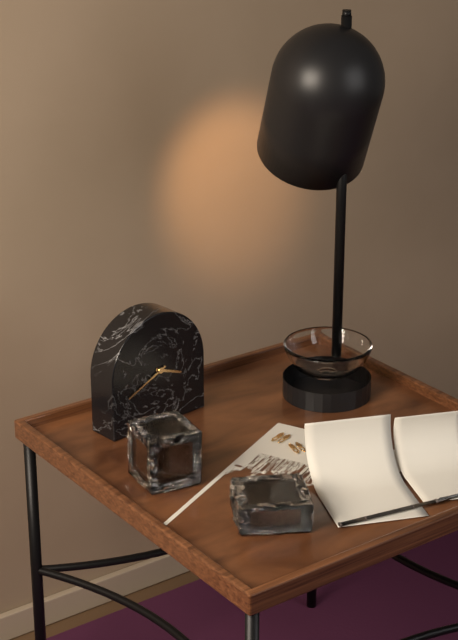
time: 3:41
